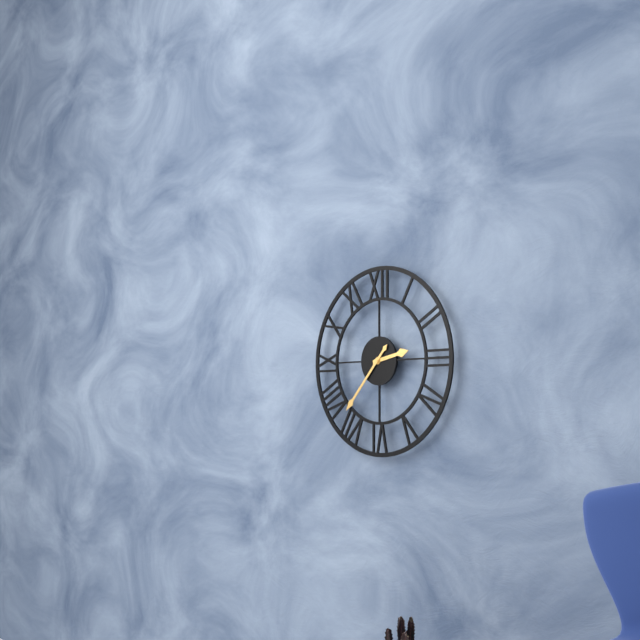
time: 2:37
